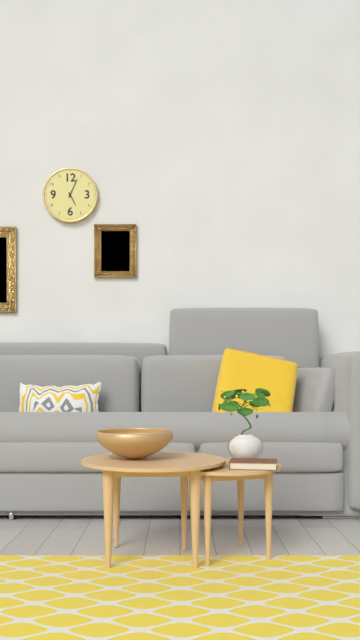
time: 5:04
